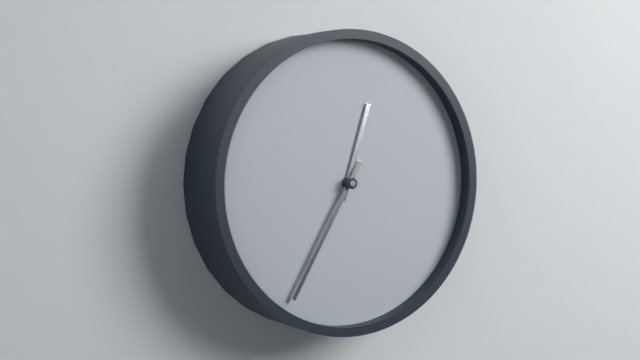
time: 12:35
